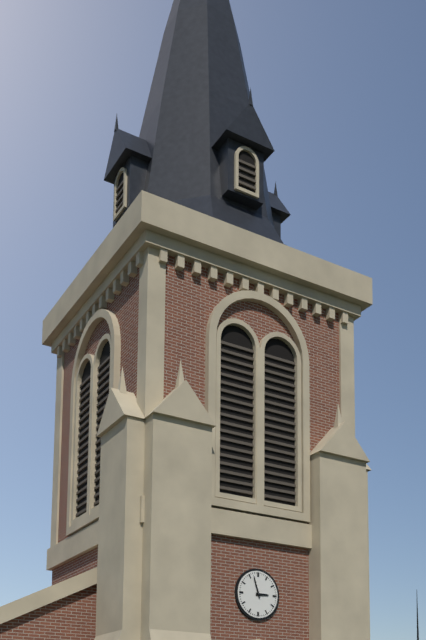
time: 2:57
